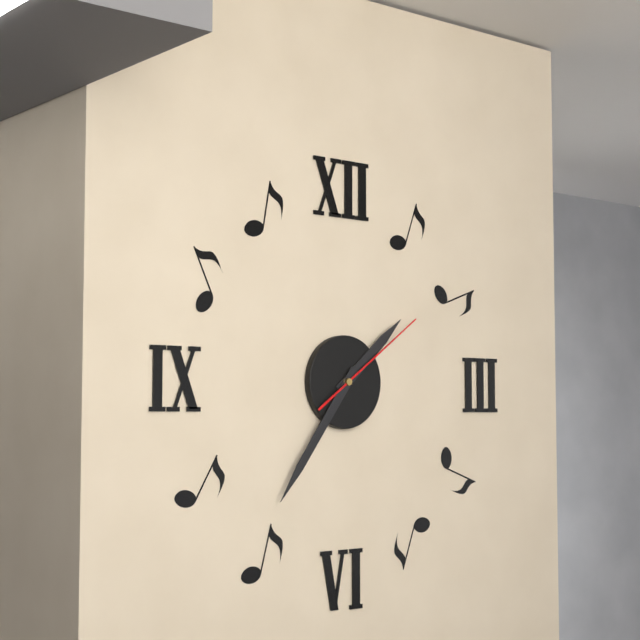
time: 1:36:09
